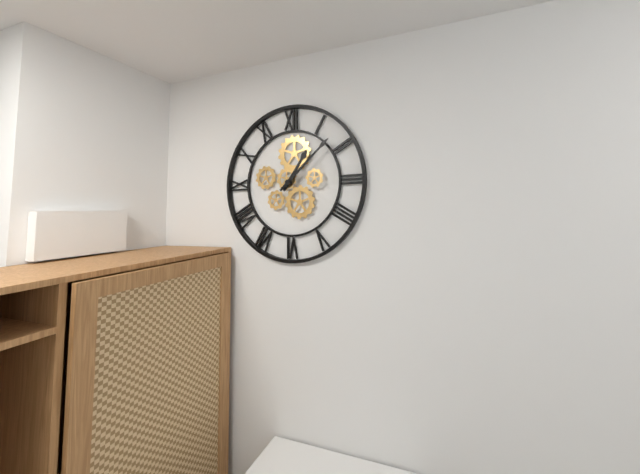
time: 1:08
